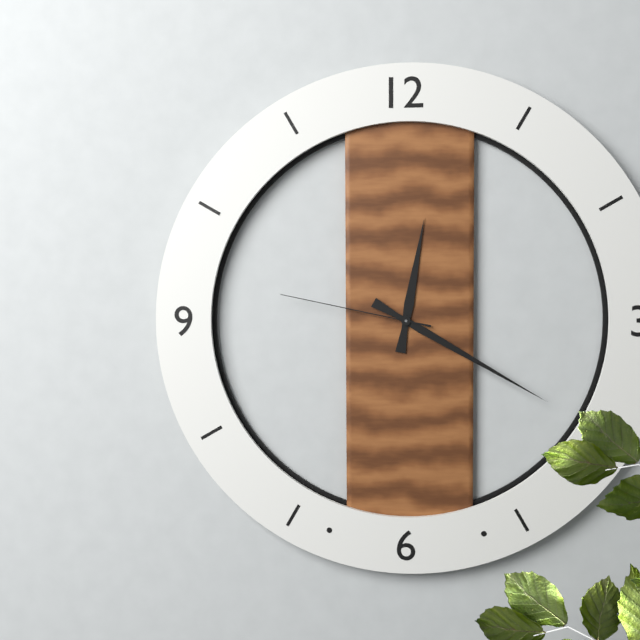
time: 12:20:47
